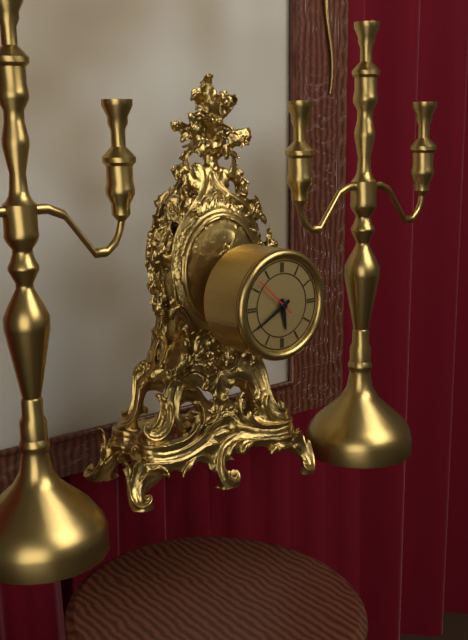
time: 5:40
